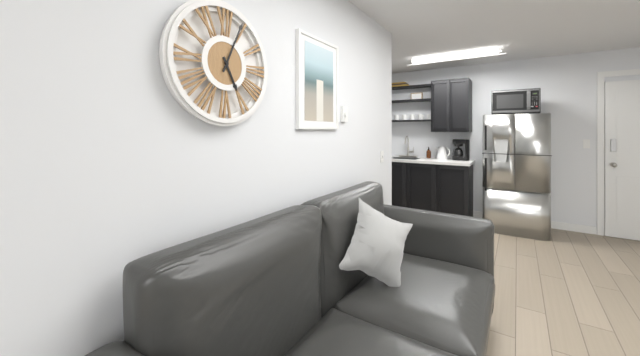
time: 5:04
